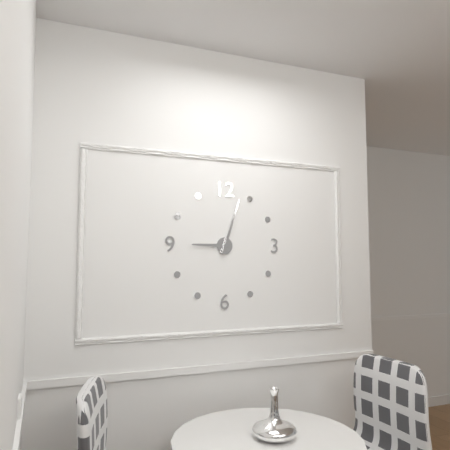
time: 9:03
